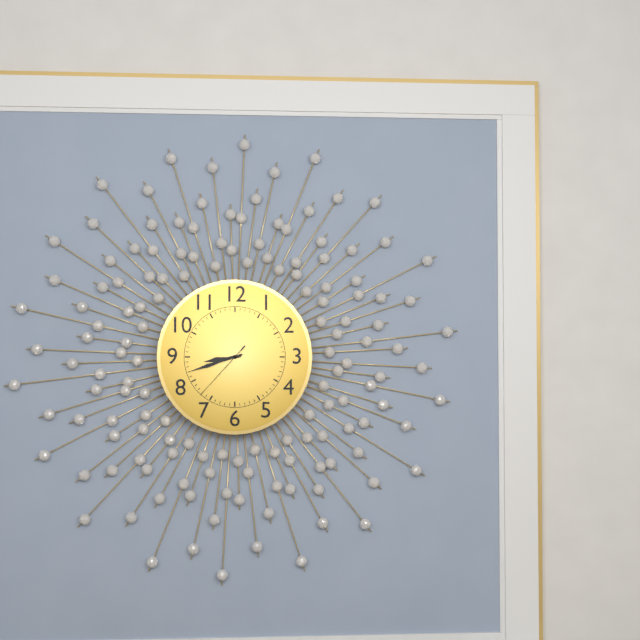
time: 8:42:37
